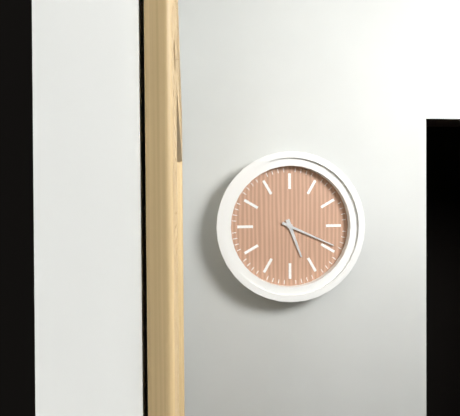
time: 5:19
